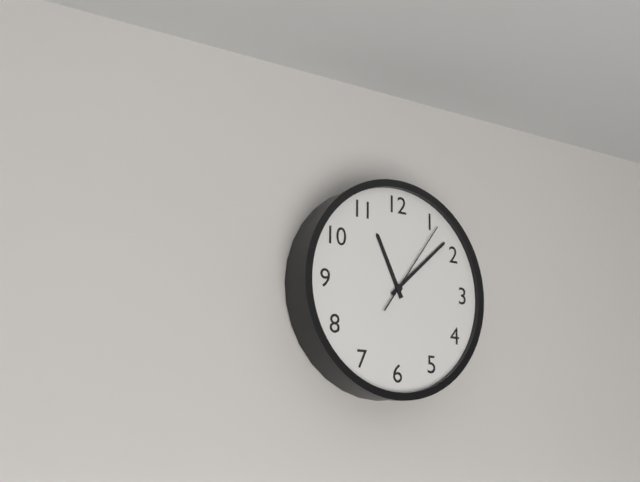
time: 11:08:06
